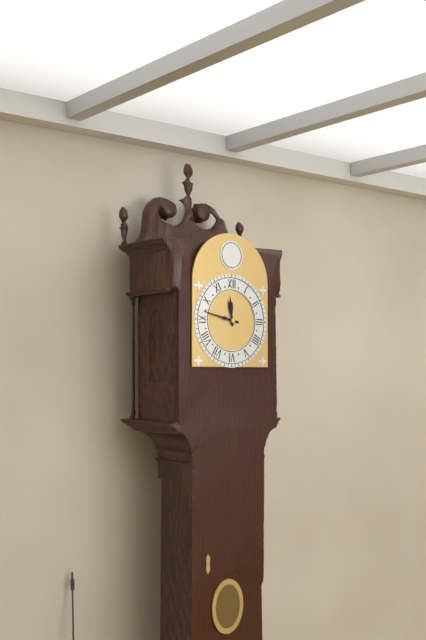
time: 11:47
